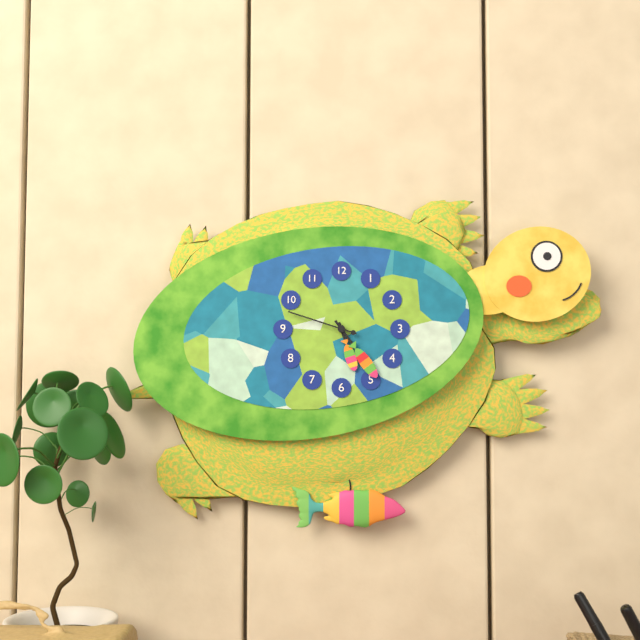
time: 5:24:48
